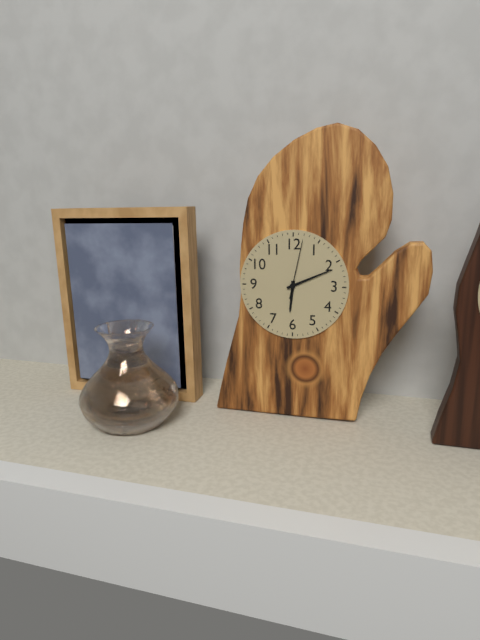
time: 6:11:02
